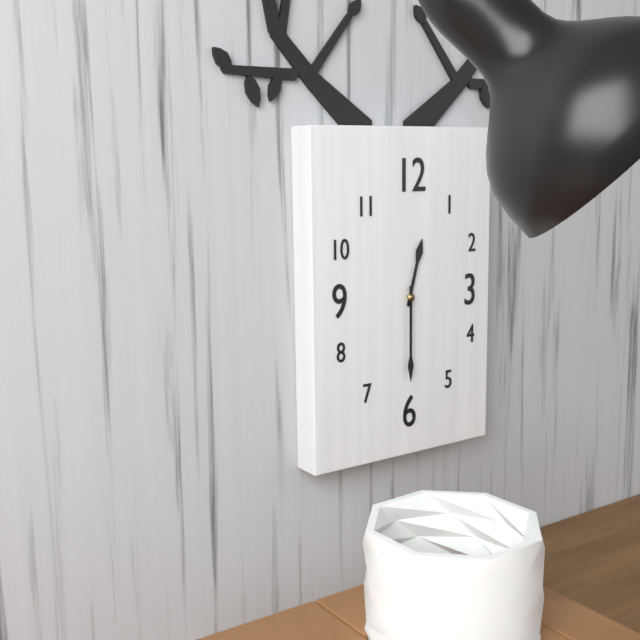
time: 12:30
